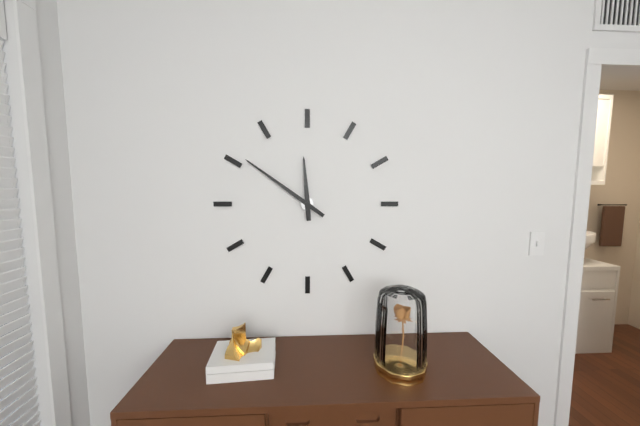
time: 11:51
